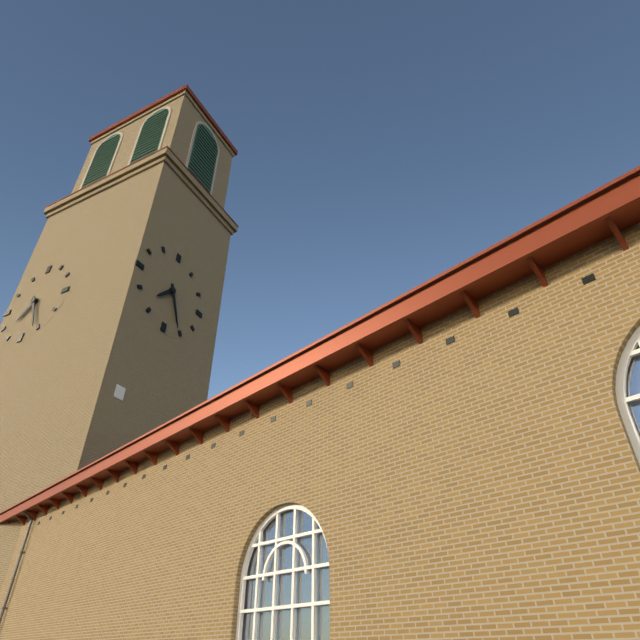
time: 7:26
